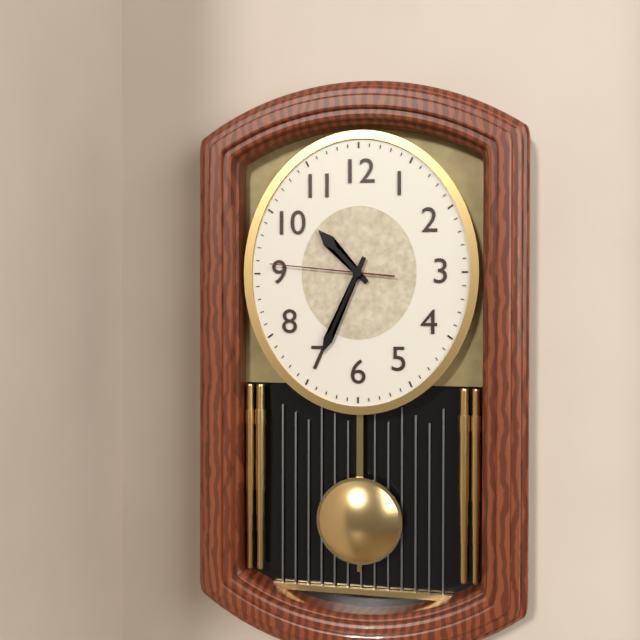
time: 10:34:46
